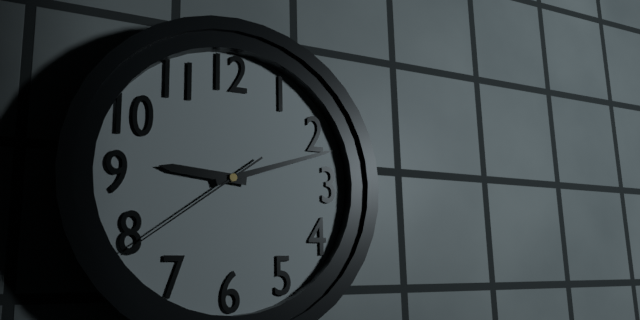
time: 9:12:39
